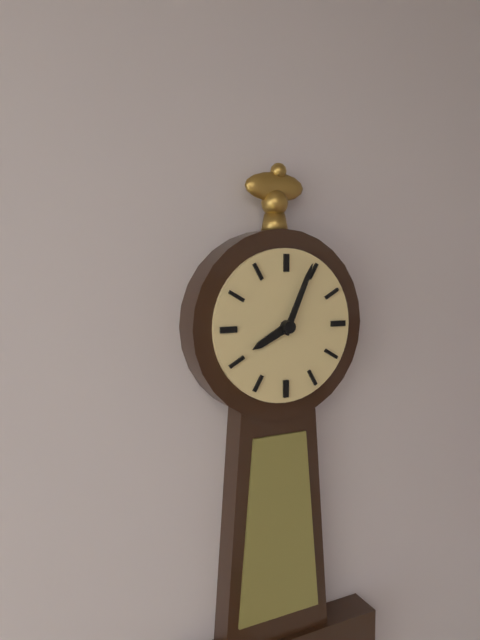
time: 8:04
